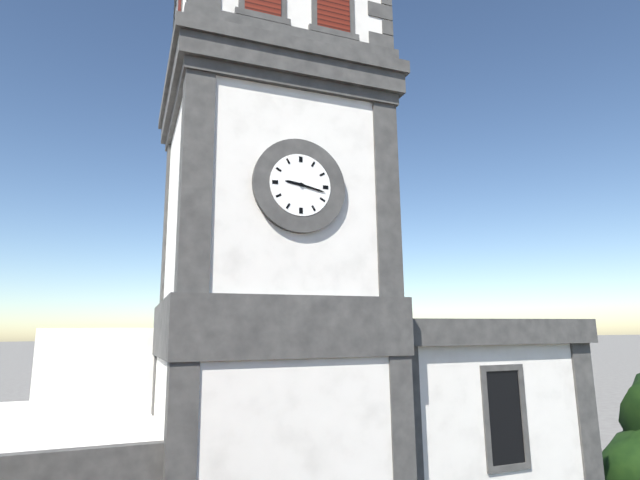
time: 9:17
